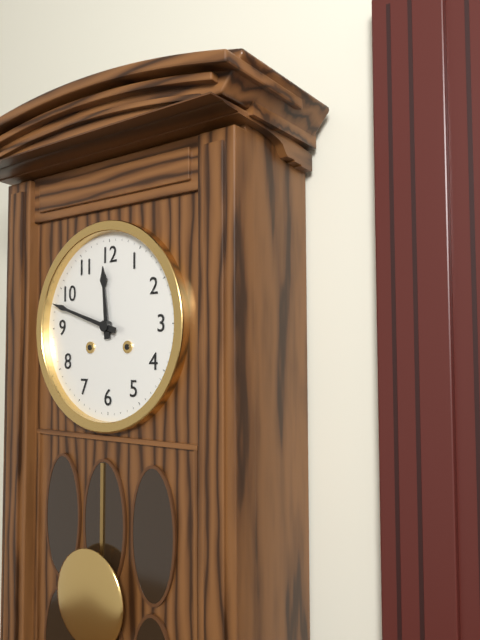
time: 11:48
